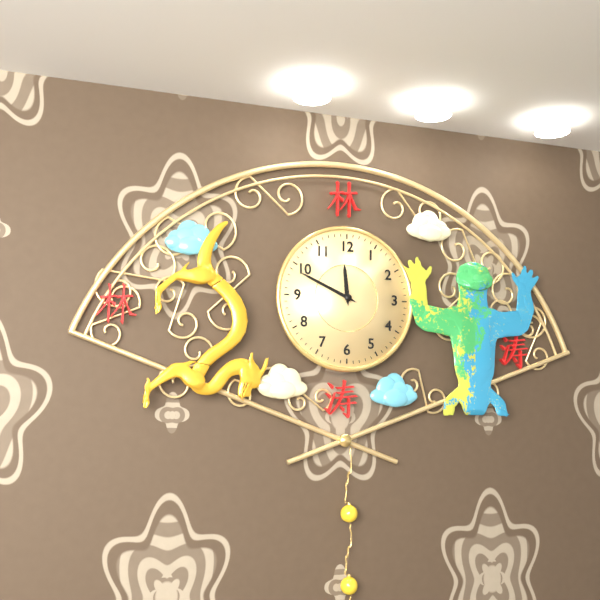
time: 11:49
